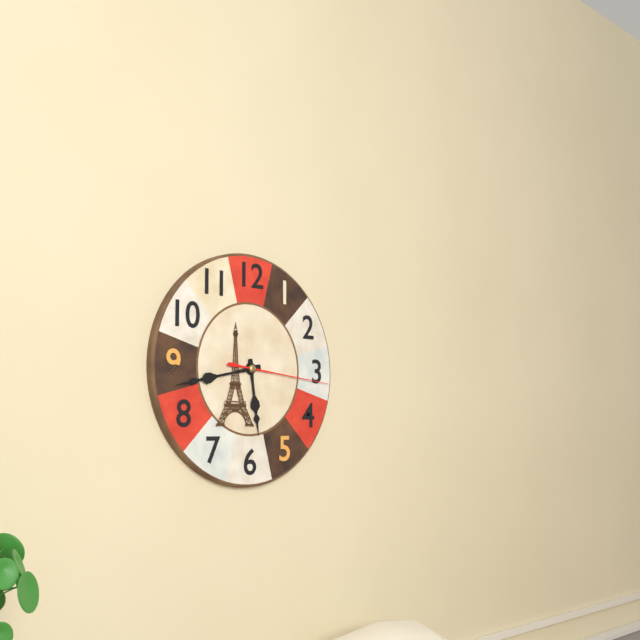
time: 5:43:16
